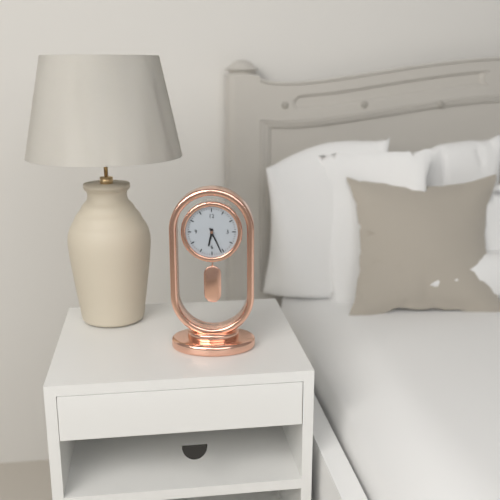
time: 6:26
